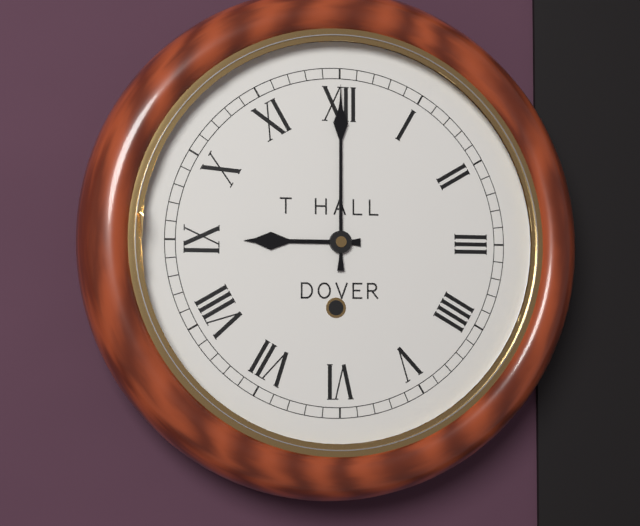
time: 9:00
